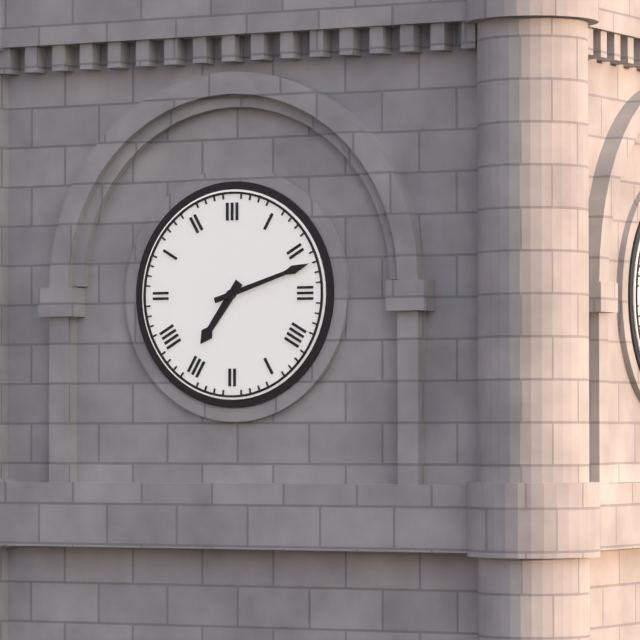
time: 7:12
